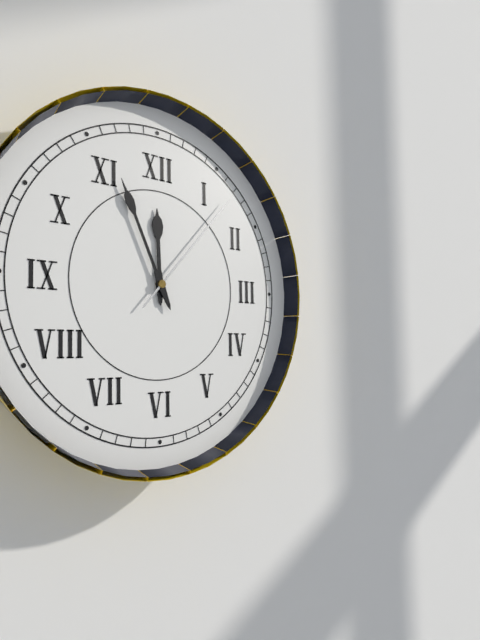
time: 11:56:07
